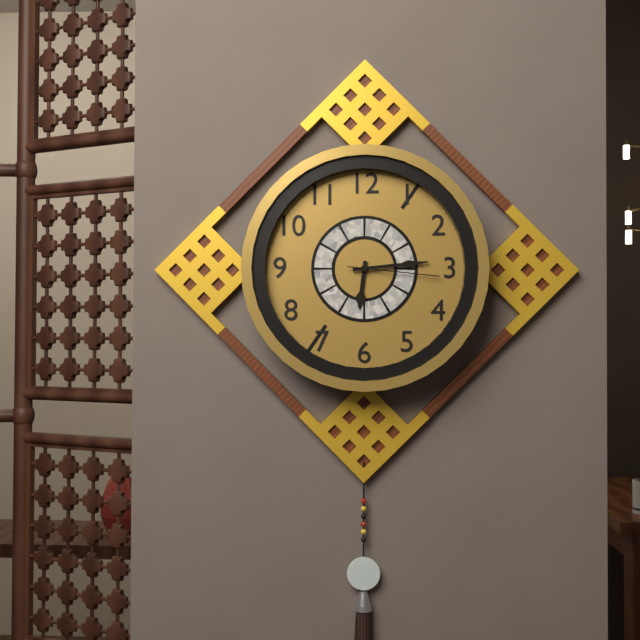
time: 6:14:16
